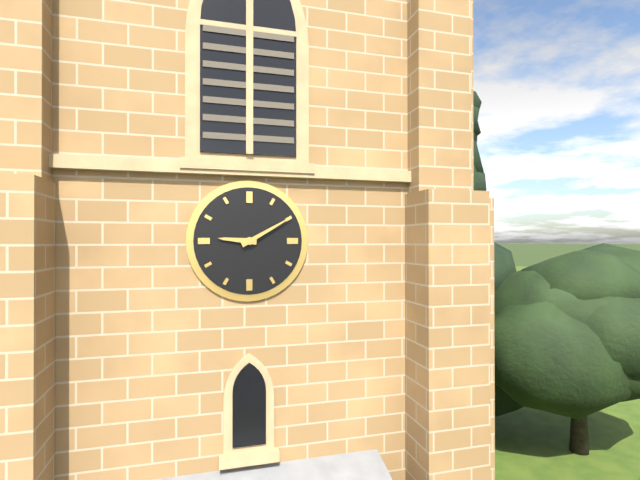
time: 9:10
